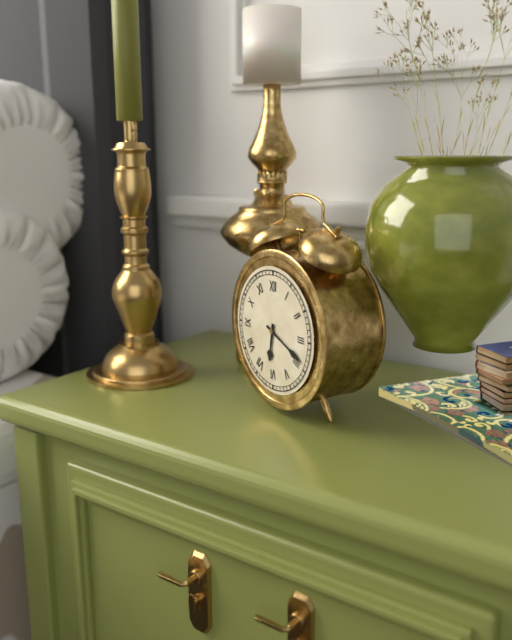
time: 6:19
